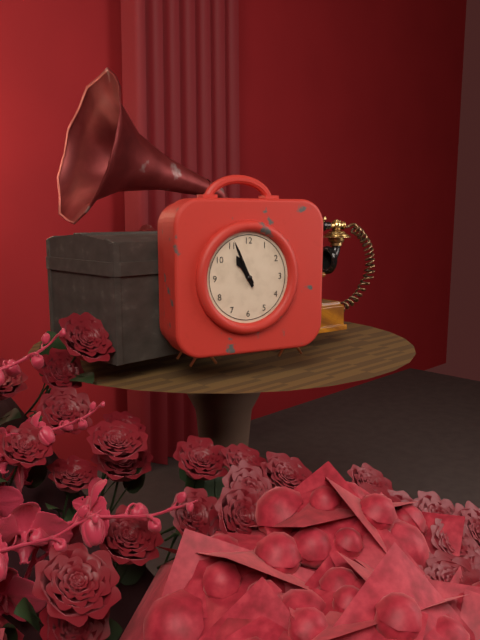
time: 10:56
